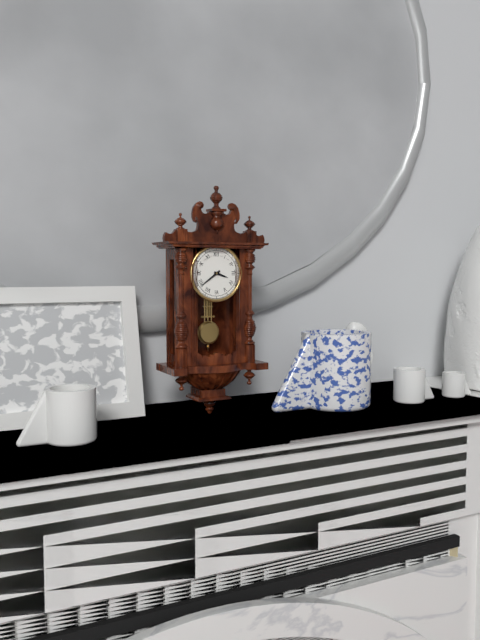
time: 3:39
